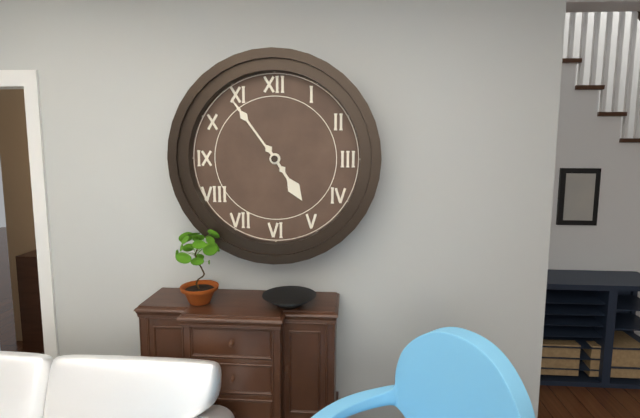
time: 4:54
